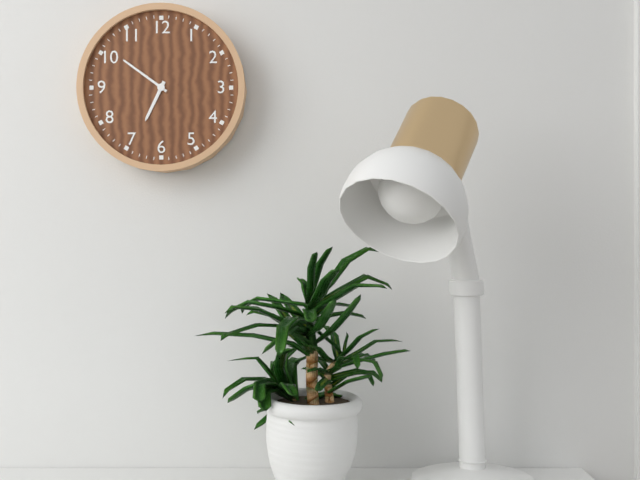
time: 6:51
